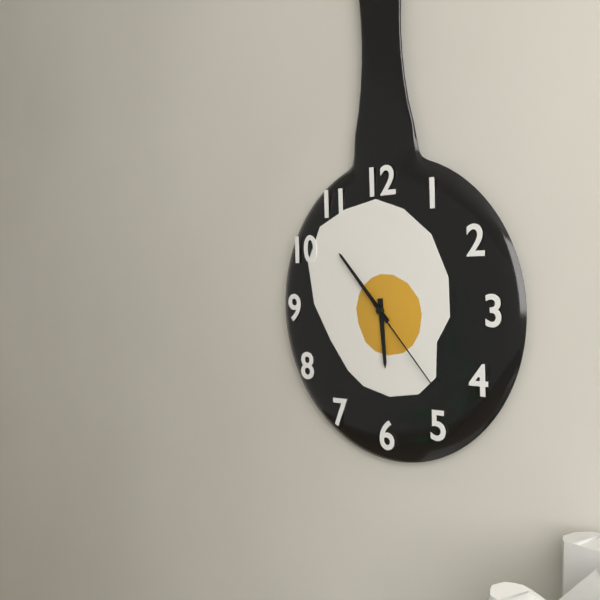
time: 5:53:23
